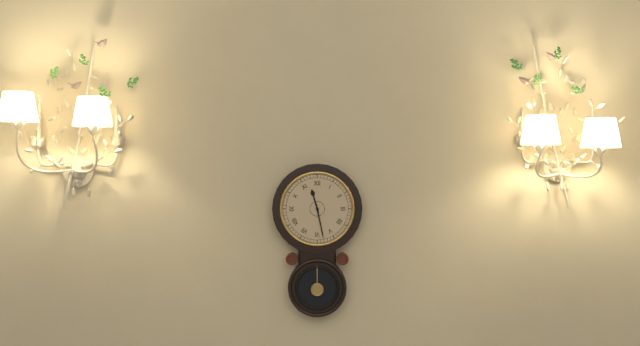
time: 11:28
